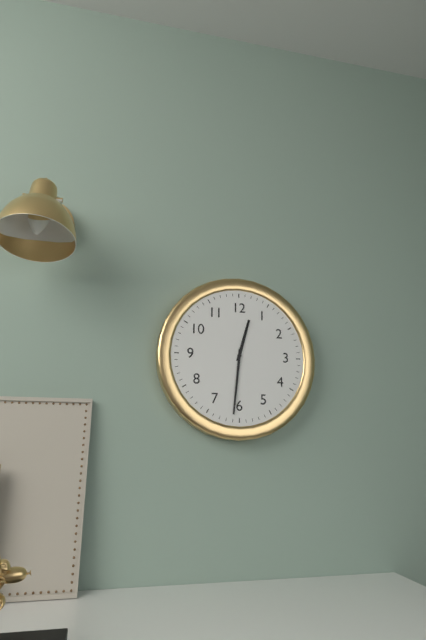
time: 12:31
